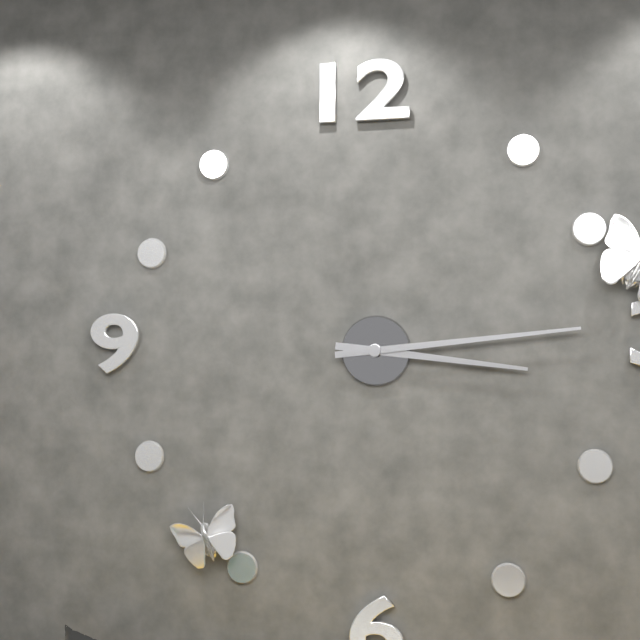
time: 3:14
